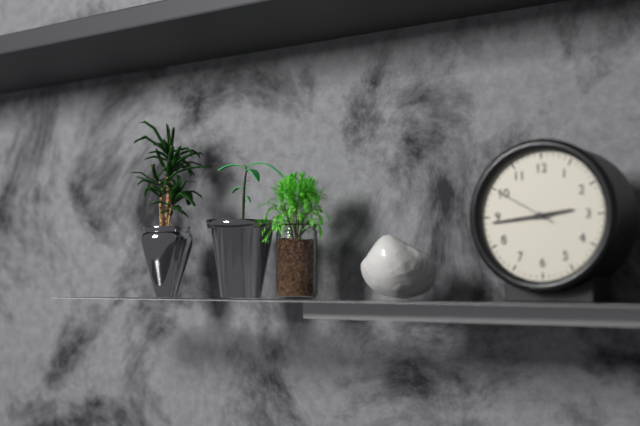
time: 2:44:50
